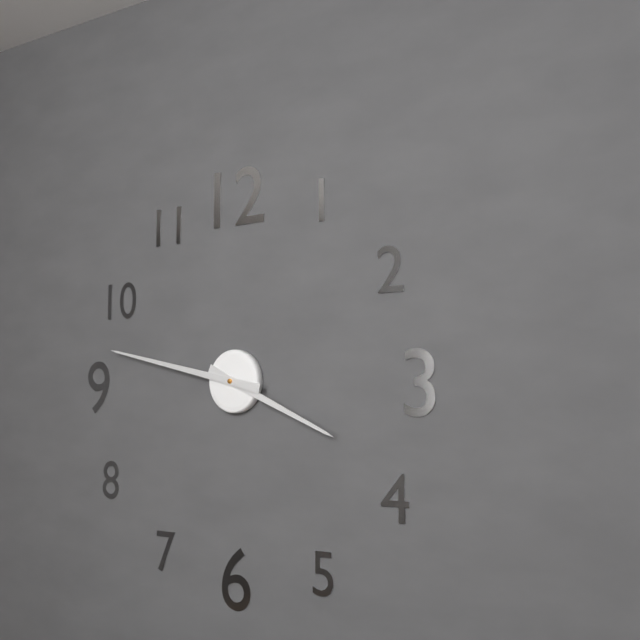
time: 3:47
